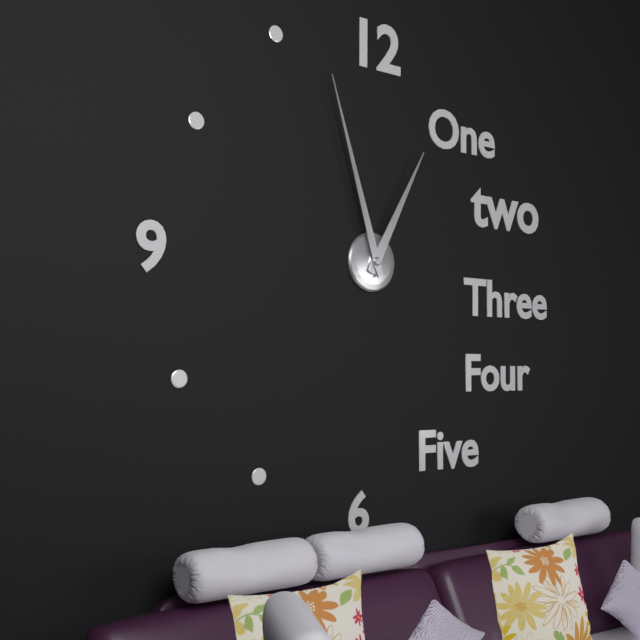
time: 12:57
